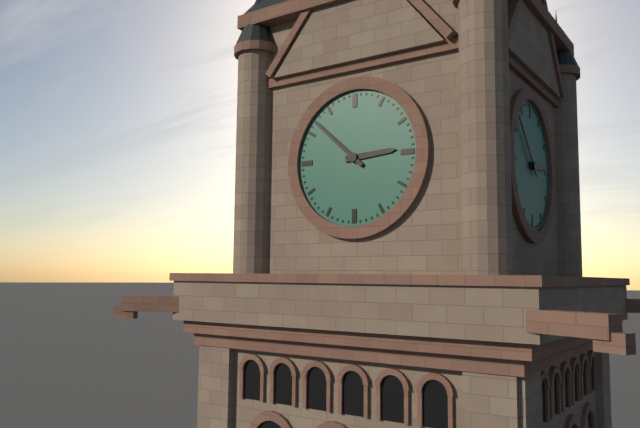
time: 2:52
